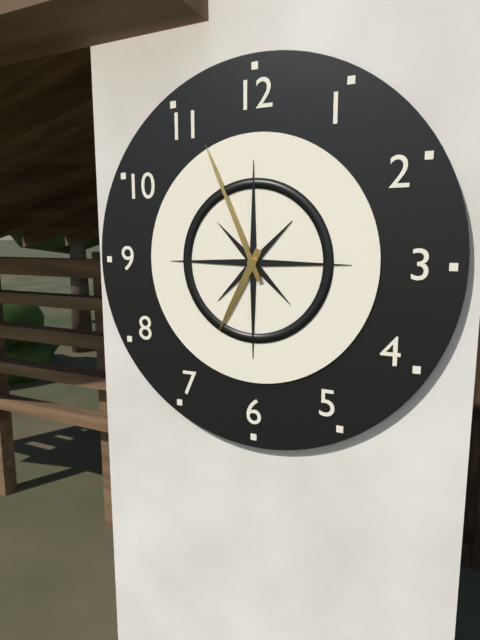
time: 6:56
